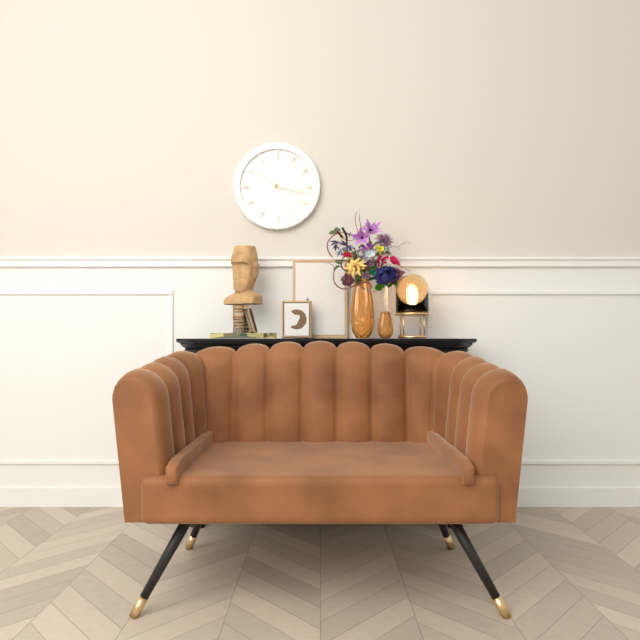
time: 10:17
